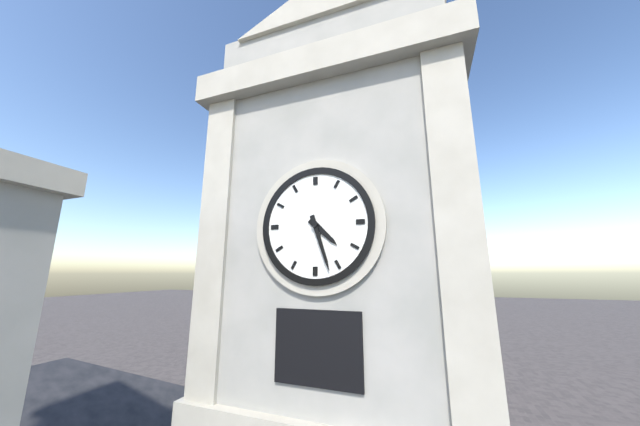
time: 4:27
